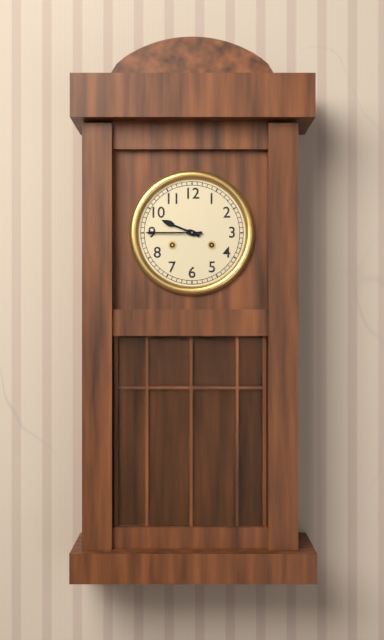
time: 9:45
